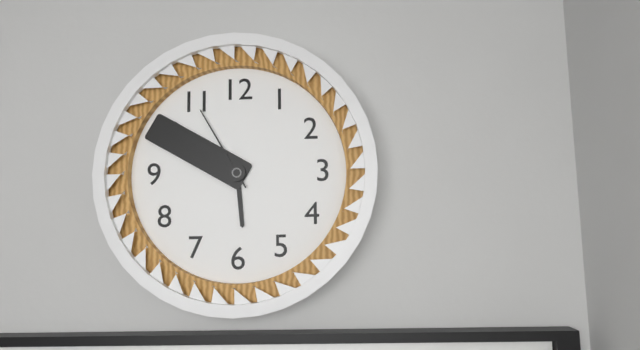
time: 5:50:55
